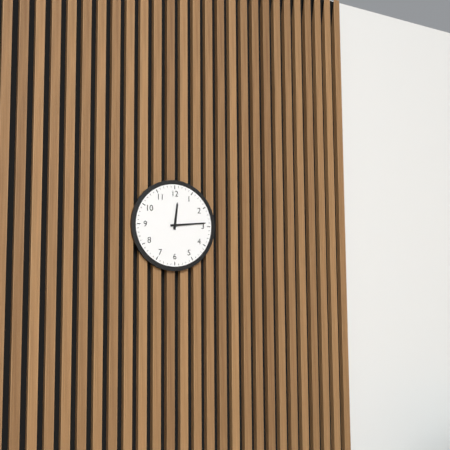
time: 12:14
